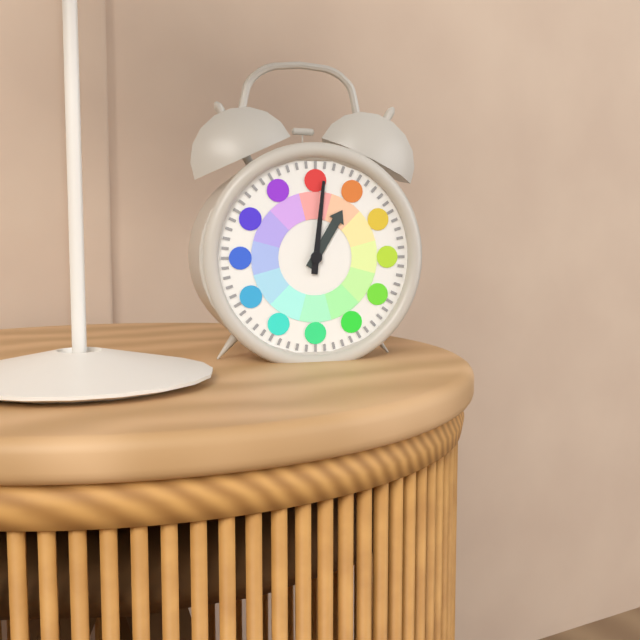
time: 1:01
